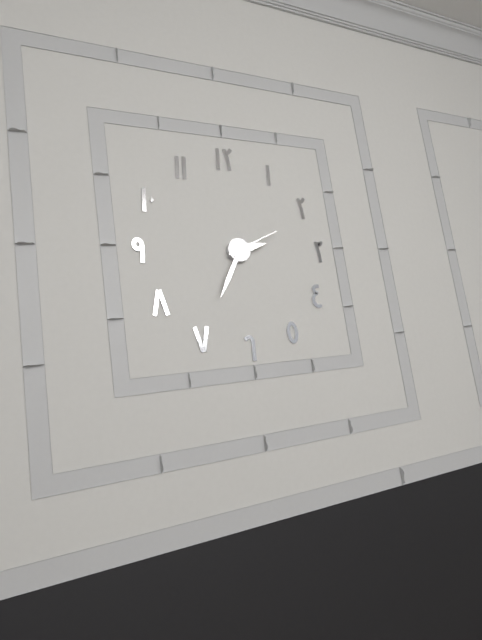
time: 2:35:11
